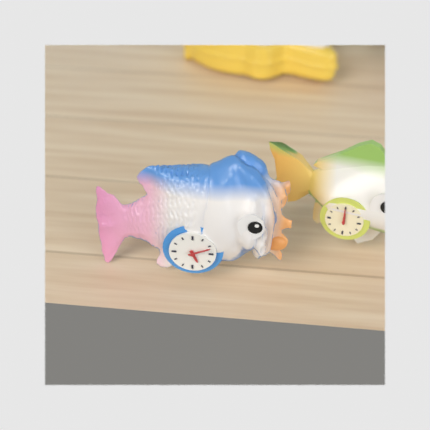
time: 5:11
